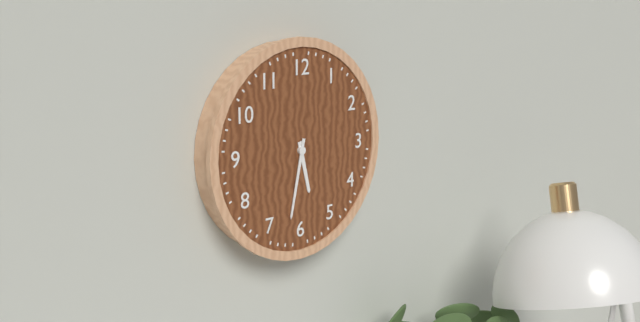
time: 5:32
